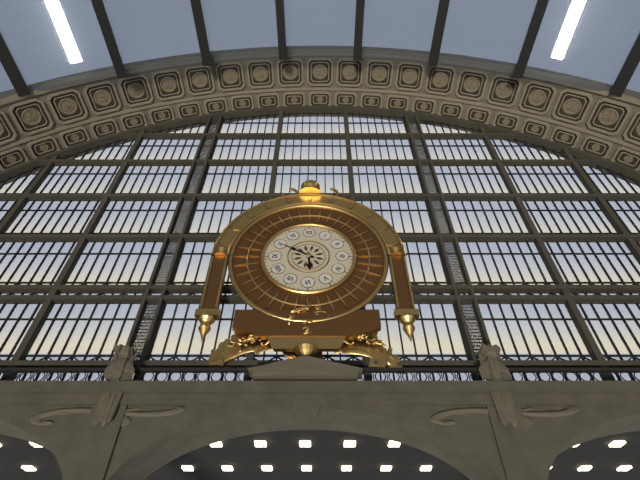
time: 5:50
